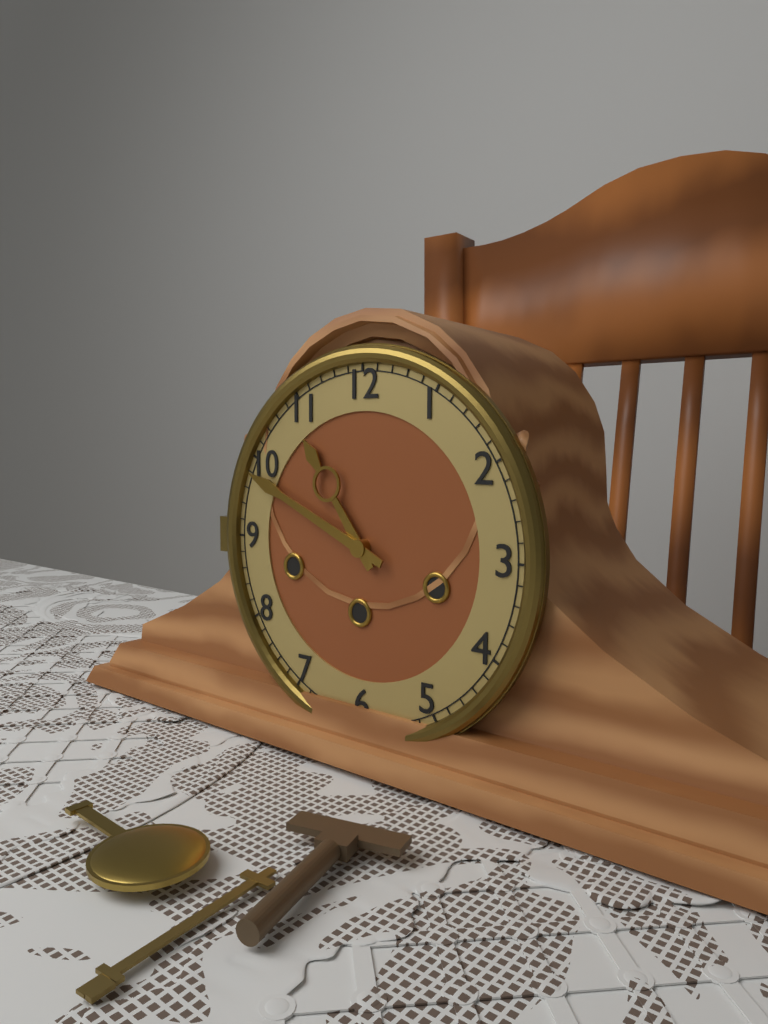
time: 10:49
